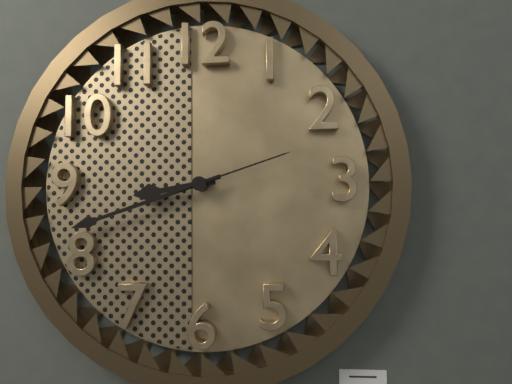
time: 8:42:12
